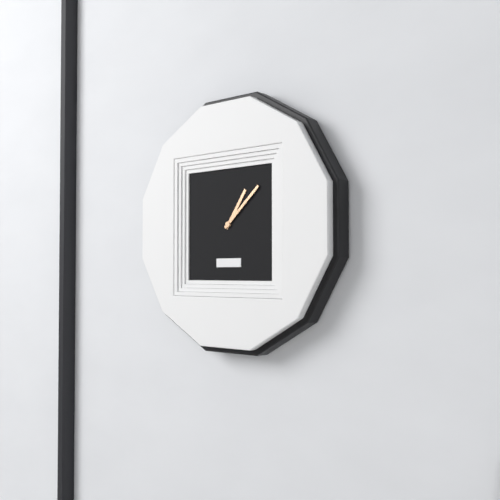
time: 1:08
